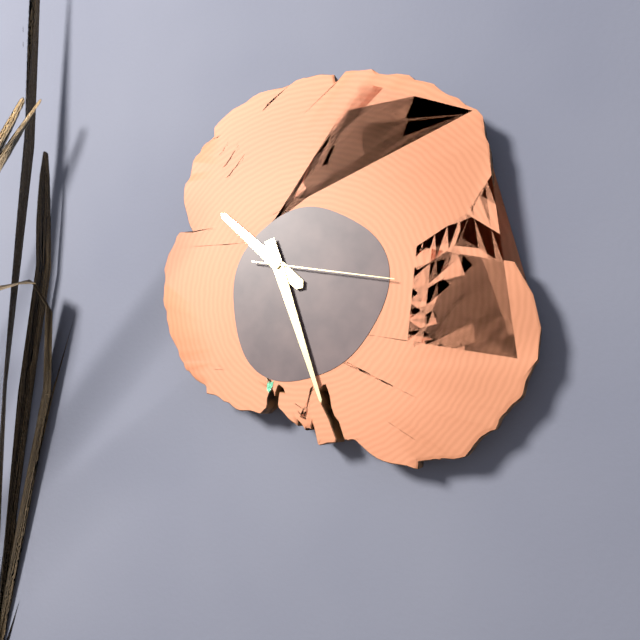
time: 10:27:17
